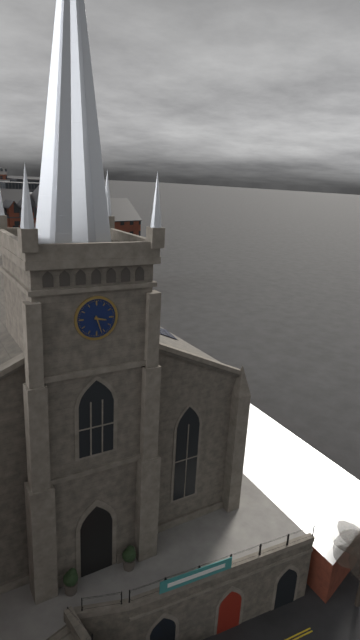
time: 3:27
